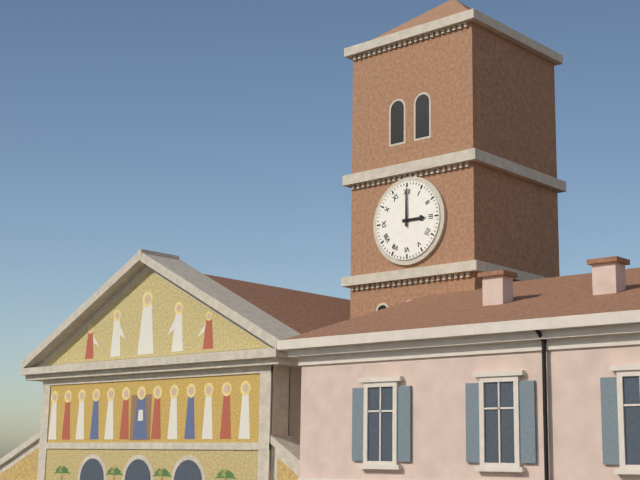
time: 3:00
